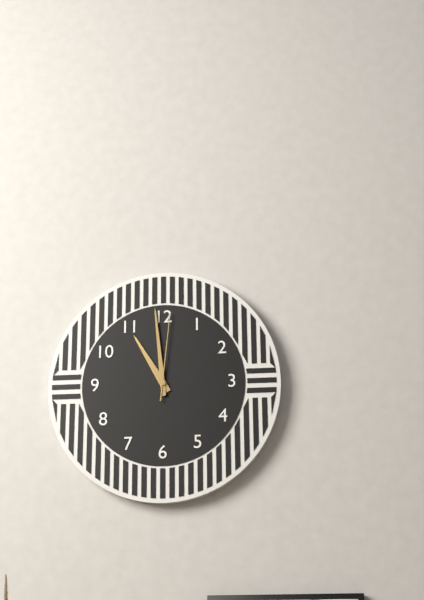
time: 10:59:01
